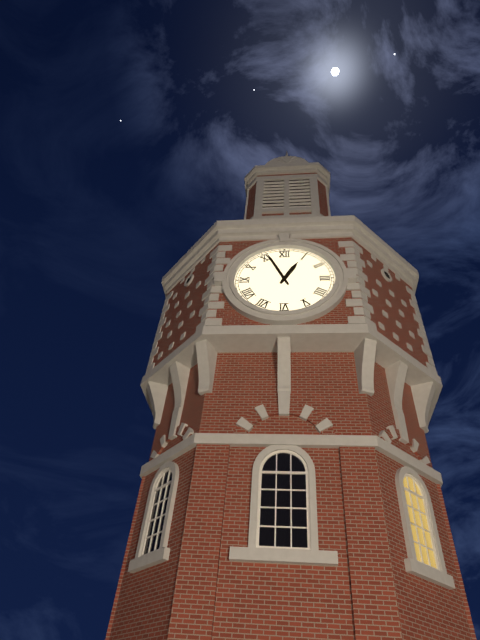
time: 12:56
